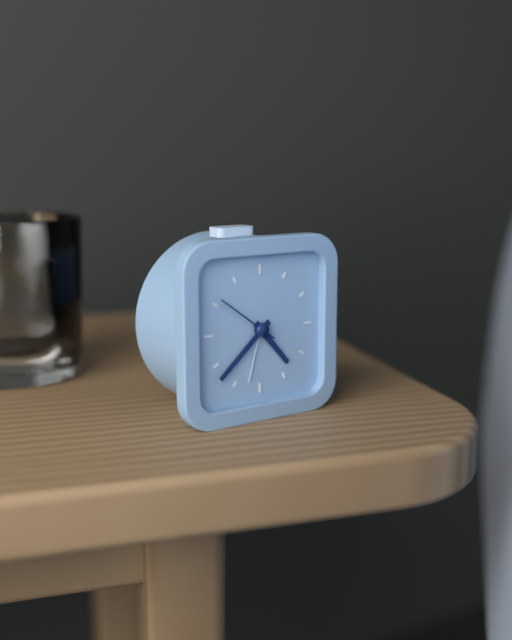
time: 4:38:51
